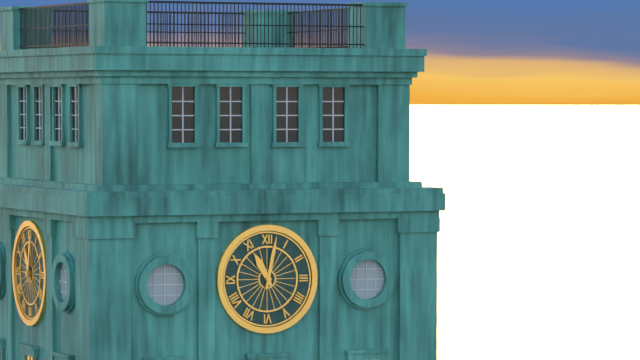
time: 11:02
